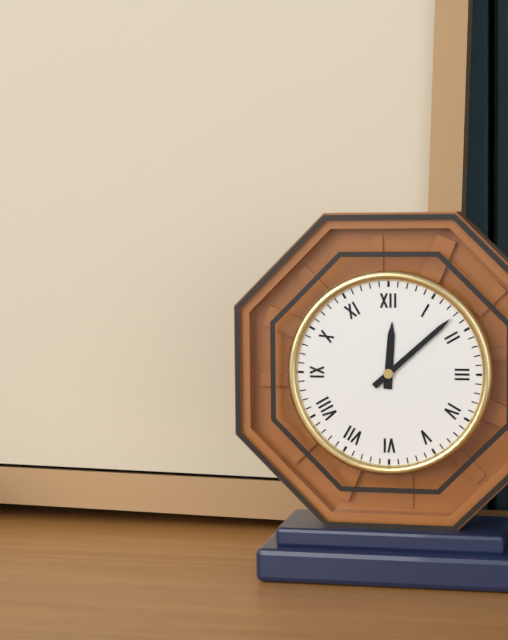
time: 12:08
